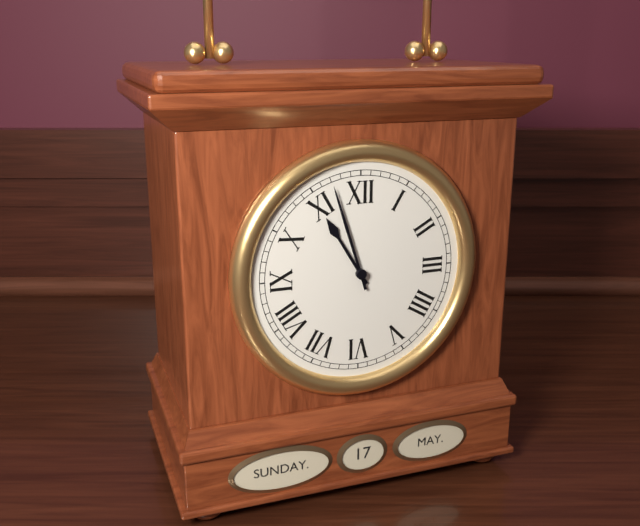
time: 10:57
